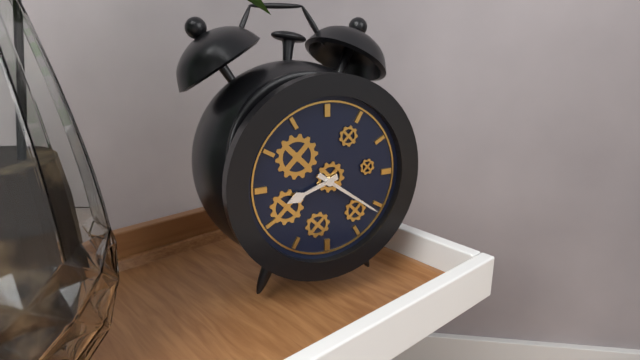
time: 8:21
